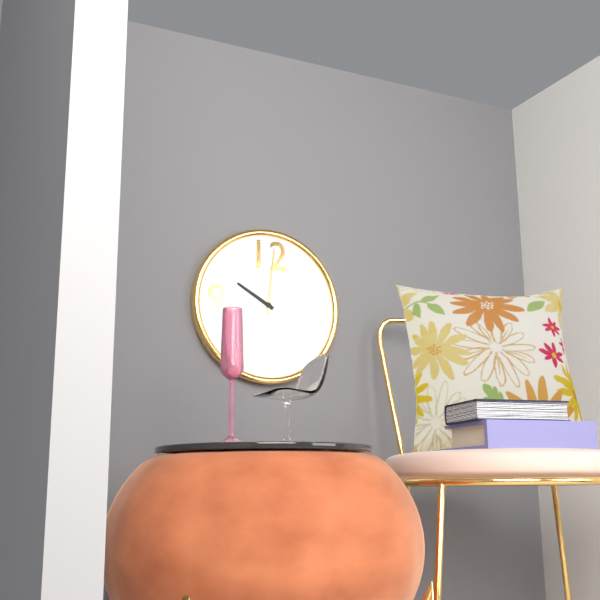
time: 10:01
